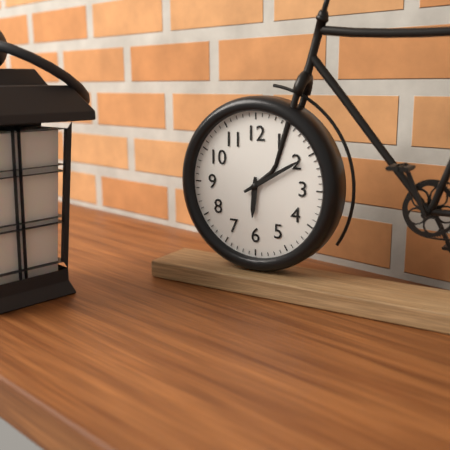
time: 6:10
